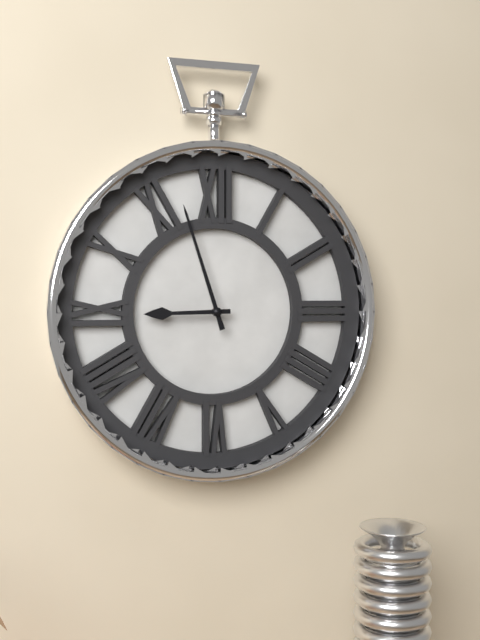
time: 8:57
